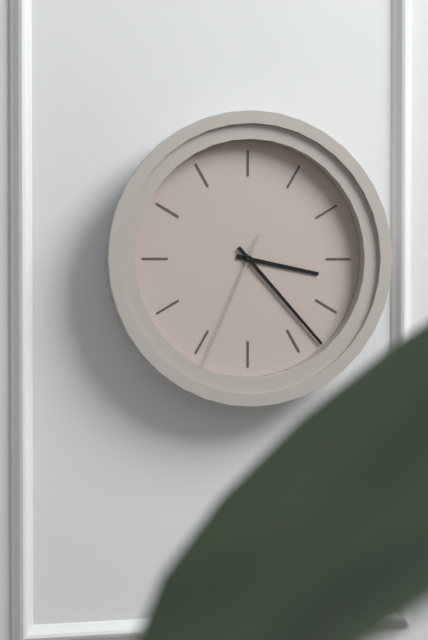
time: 3:23:34
